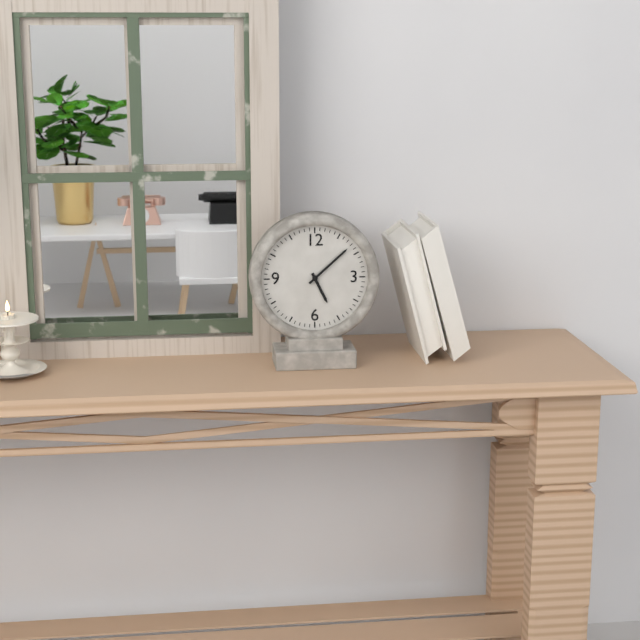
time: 5:08
